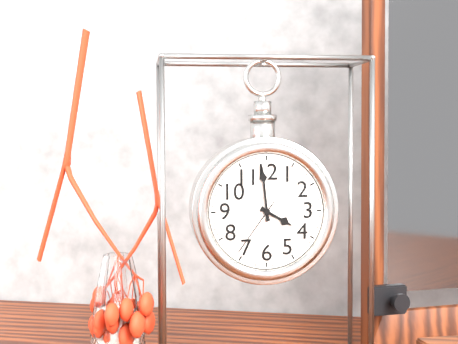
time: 3:59:36
